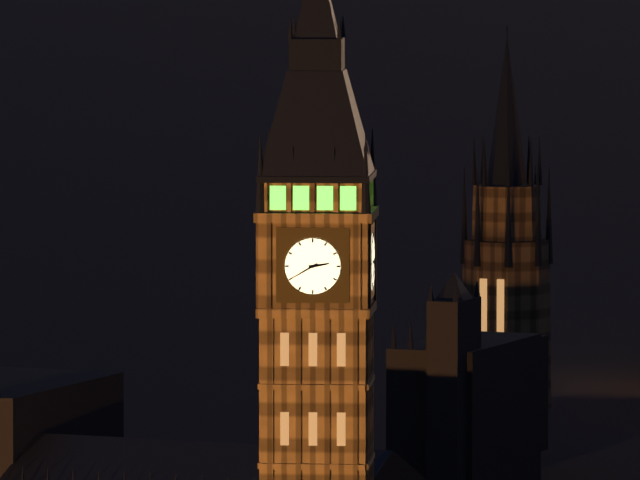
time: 2:40
